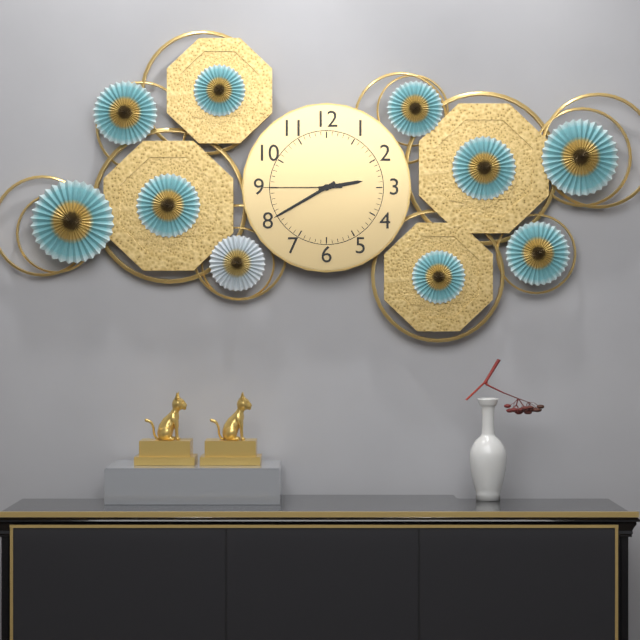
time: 2:40:45
